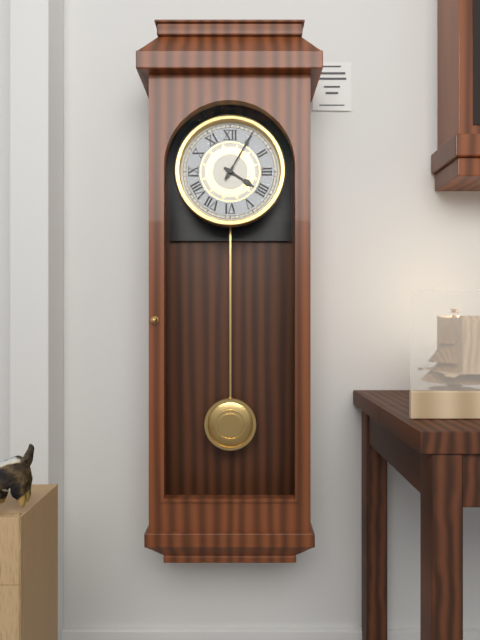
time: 4:05
